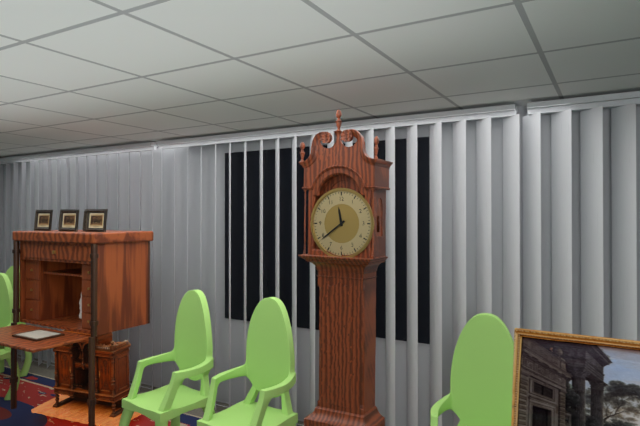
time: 11:39
